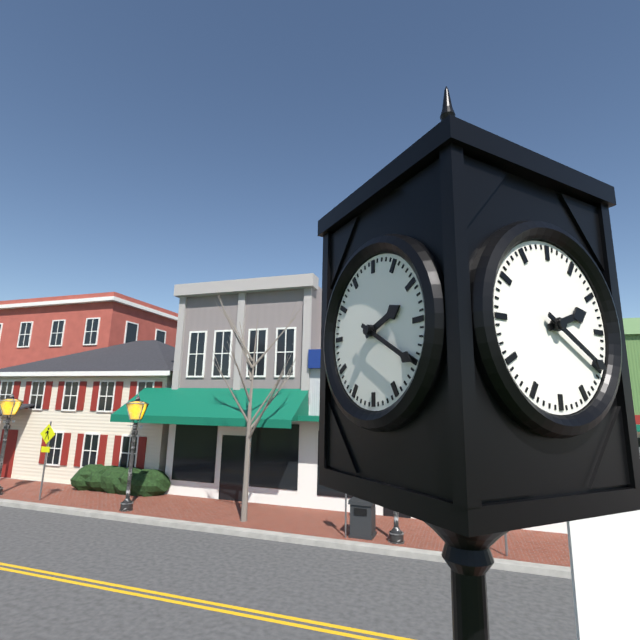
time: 2:20
